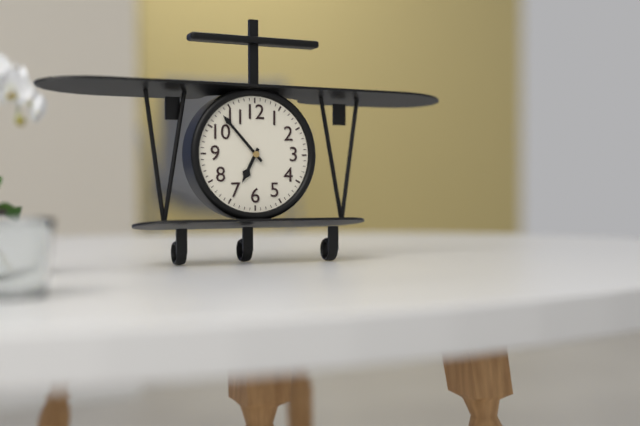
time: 6:53
